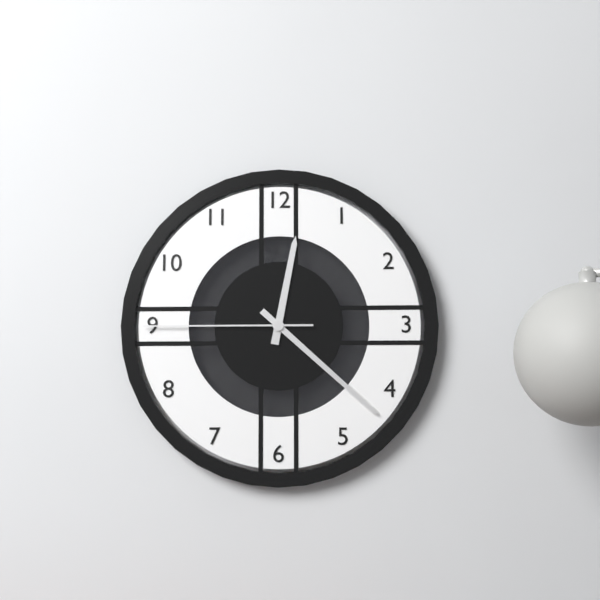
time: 12:22:45
